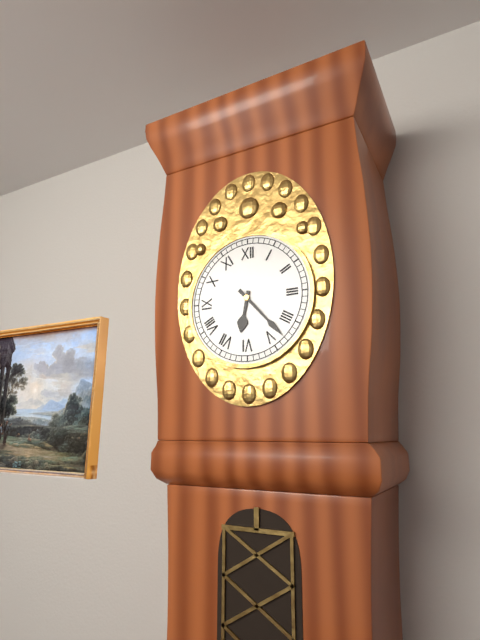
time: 6:23
